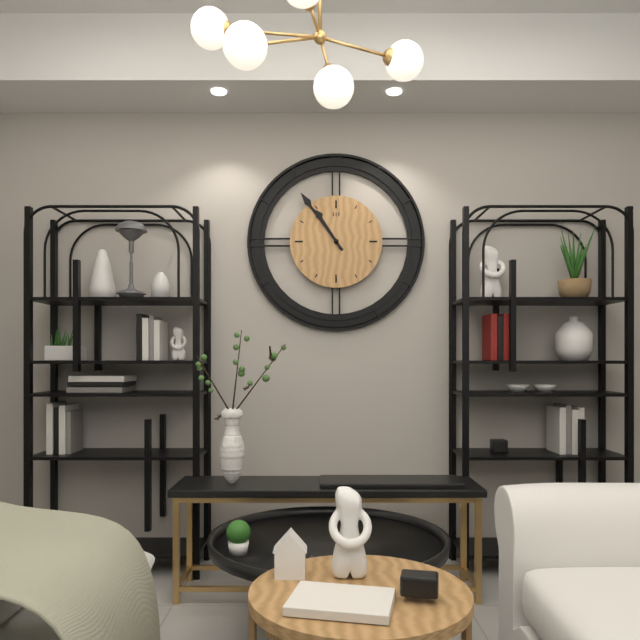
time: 10:54
